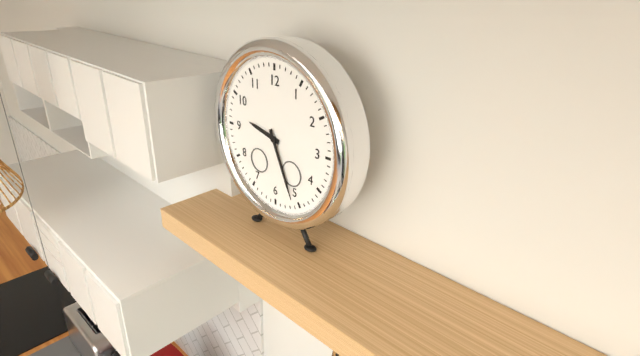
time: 9:26
